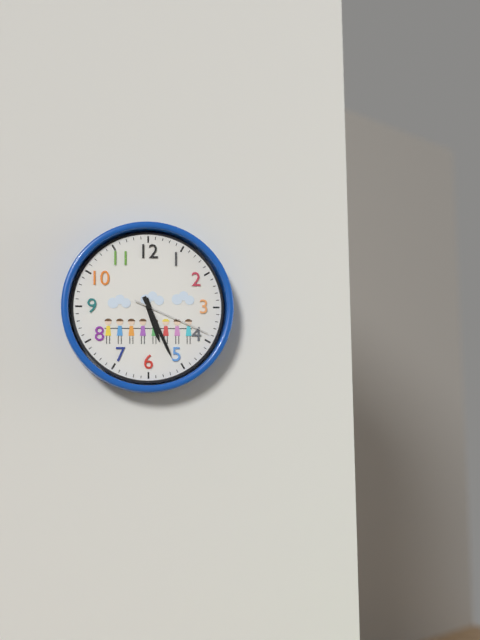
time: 5:26:19
